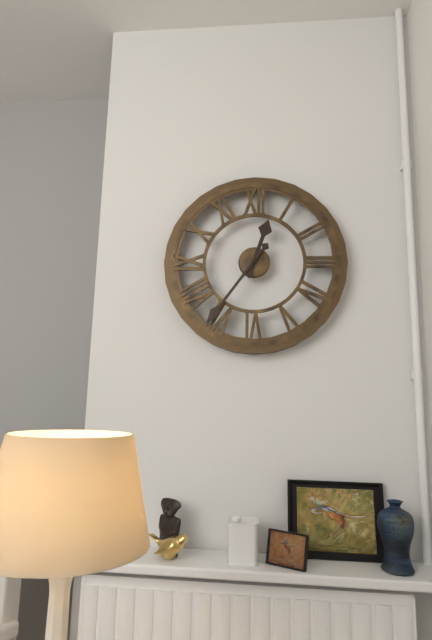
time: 12:36
